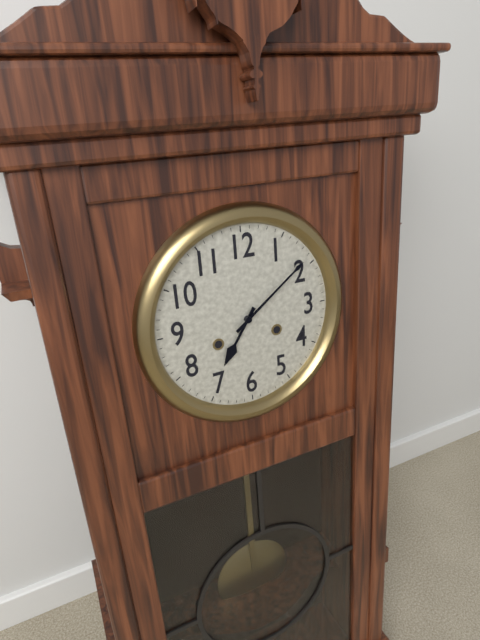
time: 7:09
